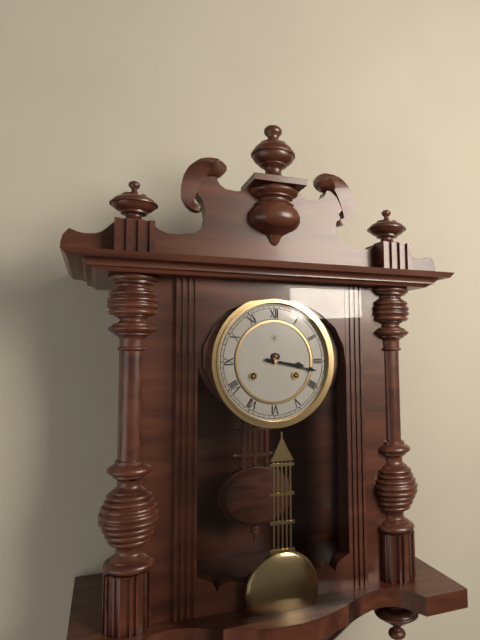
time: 3:17
